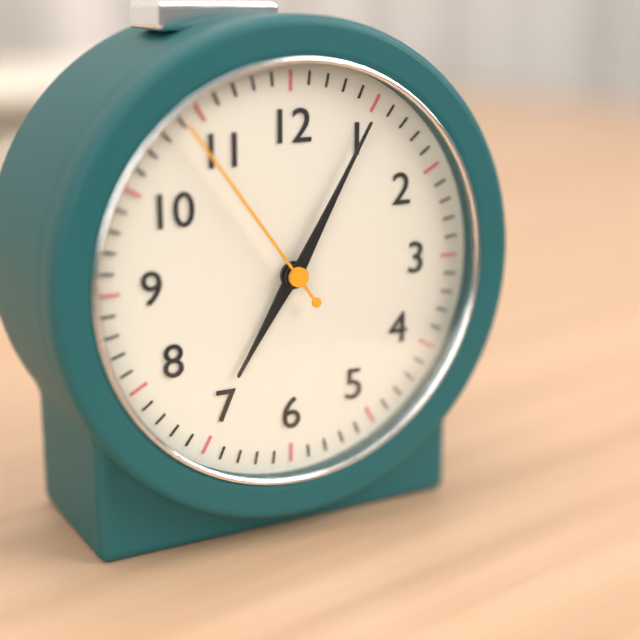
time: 7:05:54
